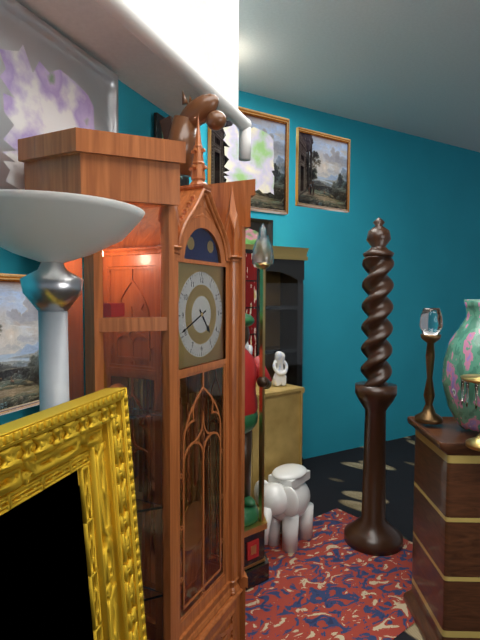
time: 4:41
